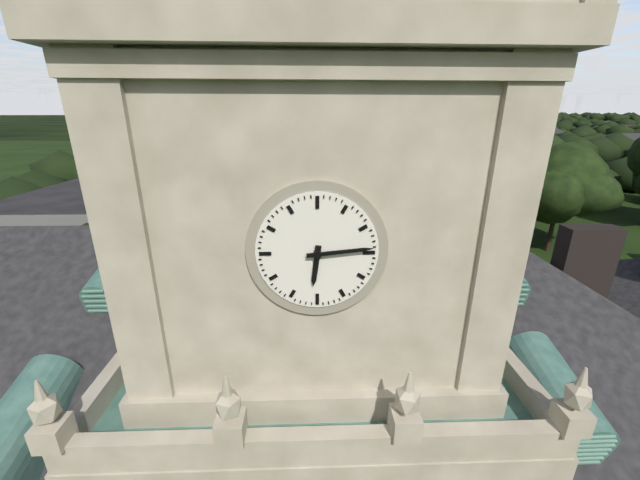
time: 6:14
